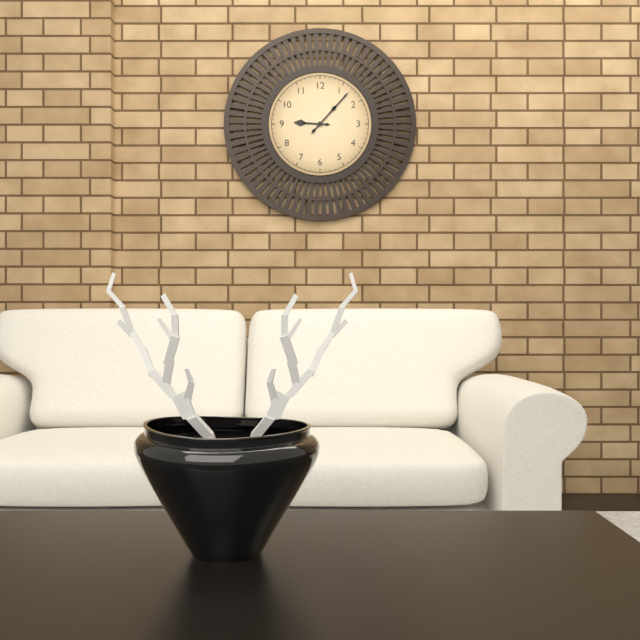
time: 9:07
